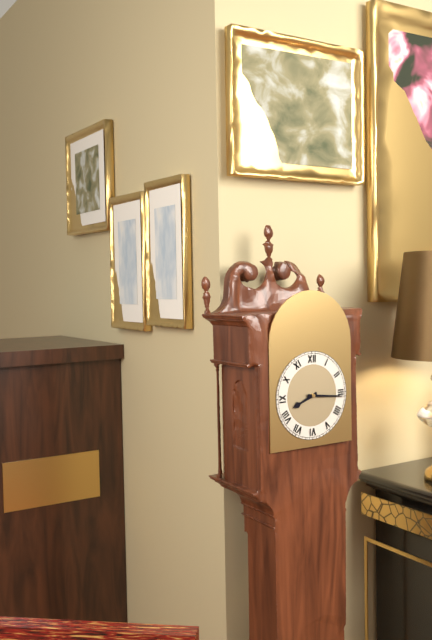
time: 8:16
